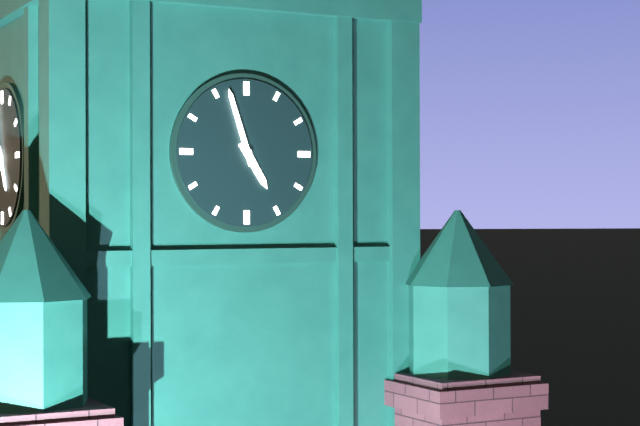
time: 4:57
